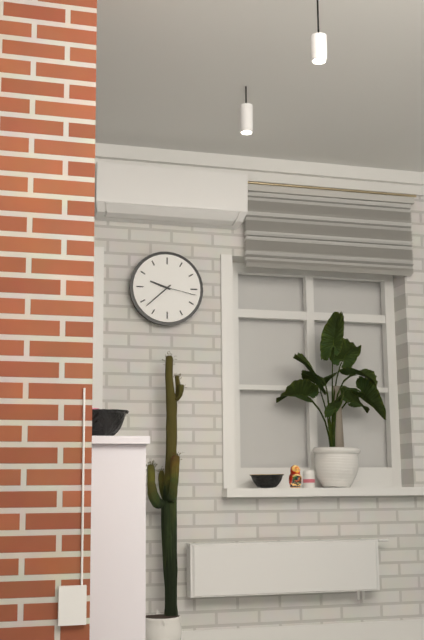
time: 9:38
